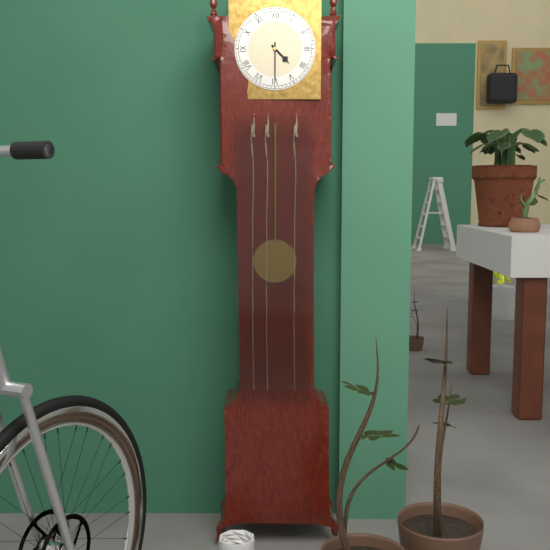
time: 4:30
